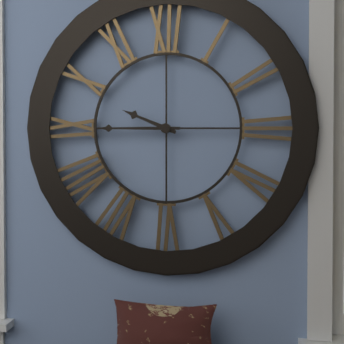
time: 9:45
